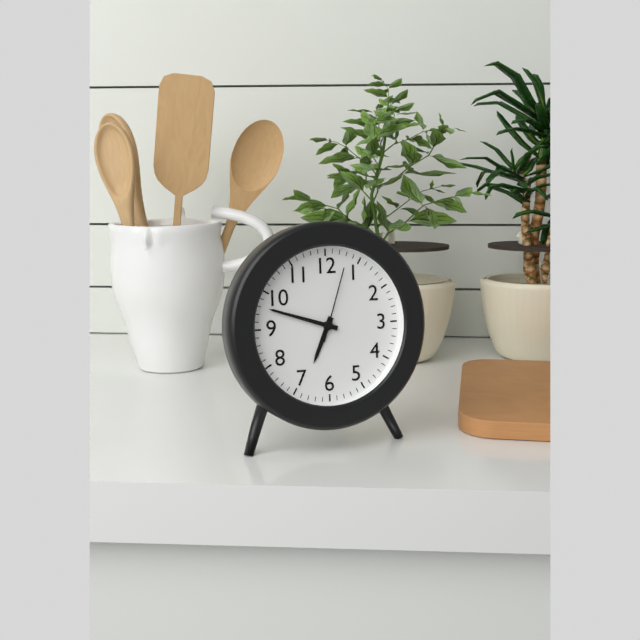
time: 6:48:03
